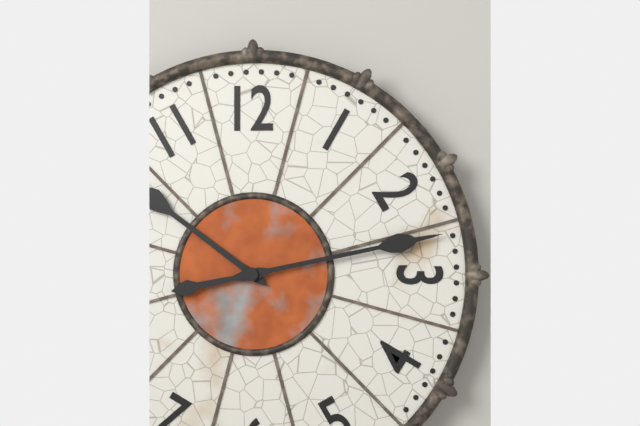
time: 10:13
